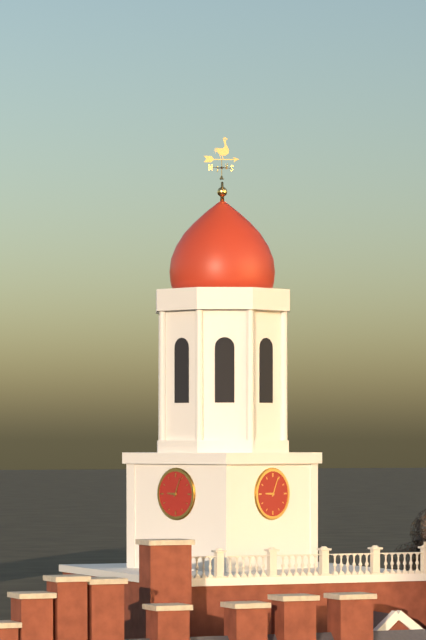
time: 9:04
